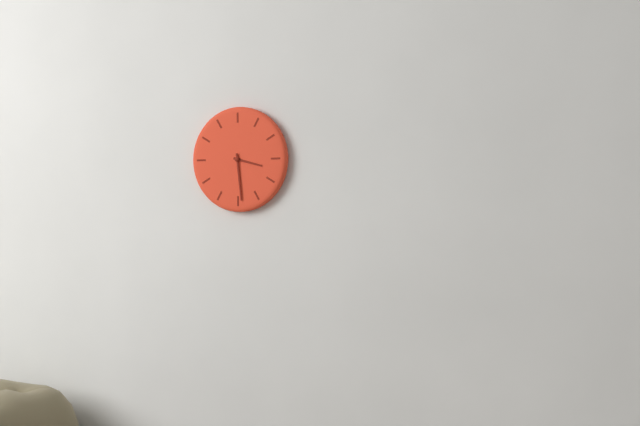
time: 3:29
